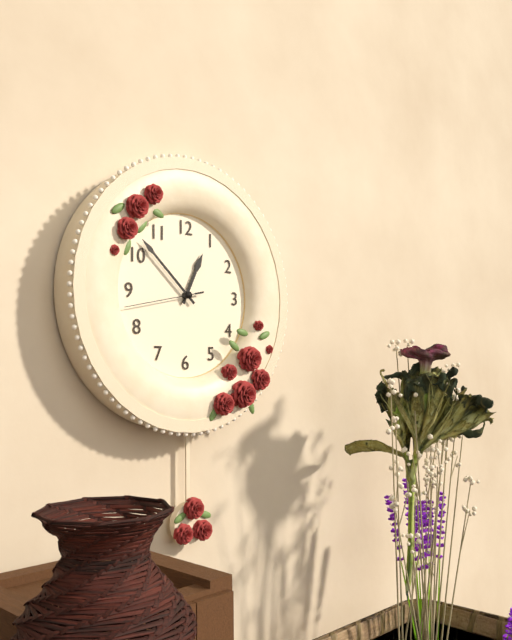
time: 12:52:43
